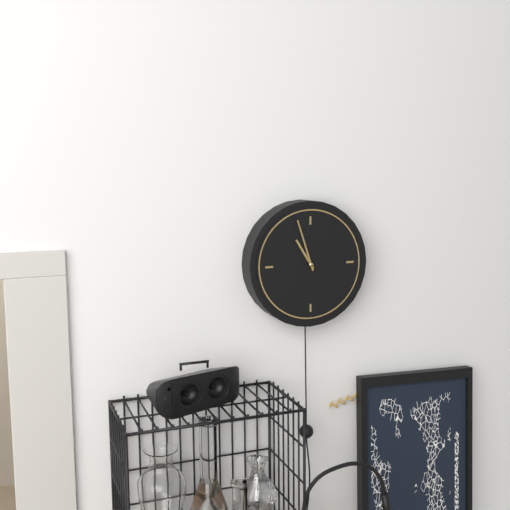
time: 10:57
